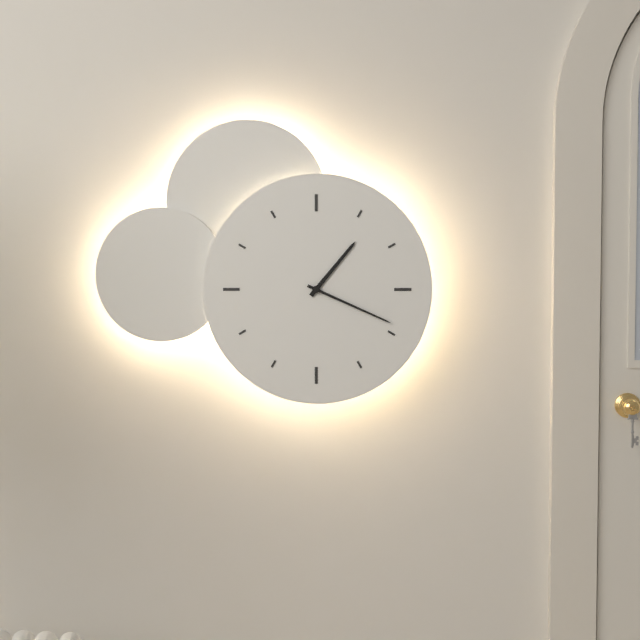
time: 1:19
